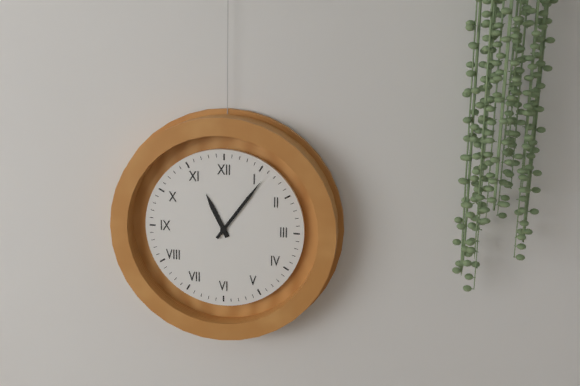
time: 11:06
